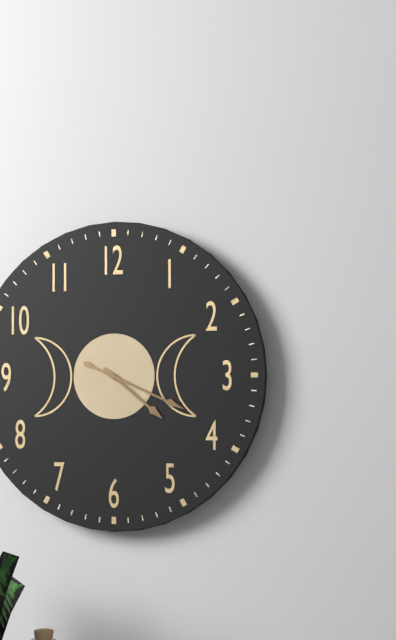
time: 4:19
